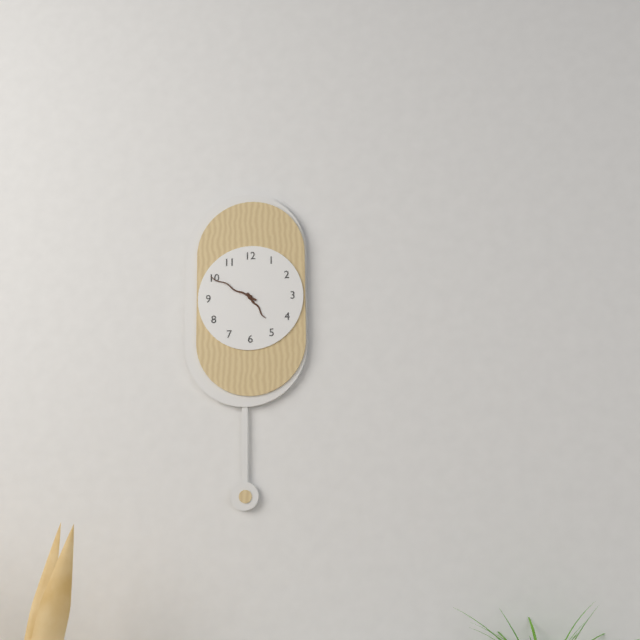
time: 4:50
